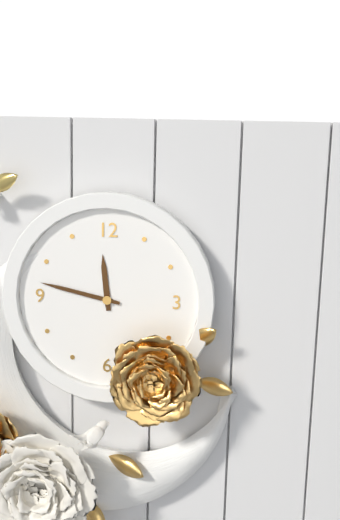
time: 11:47
